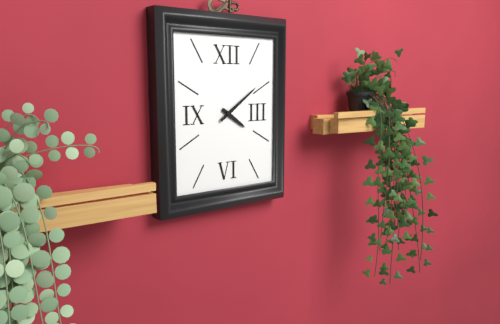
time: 4:09
